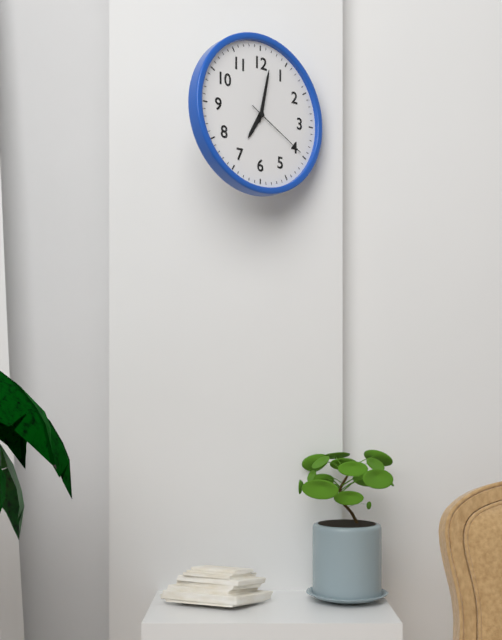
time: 7:02:20
